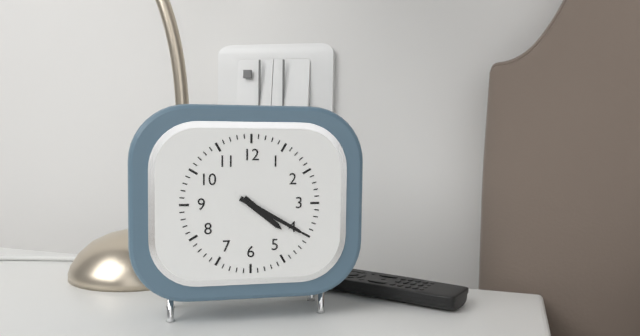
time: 4:20
